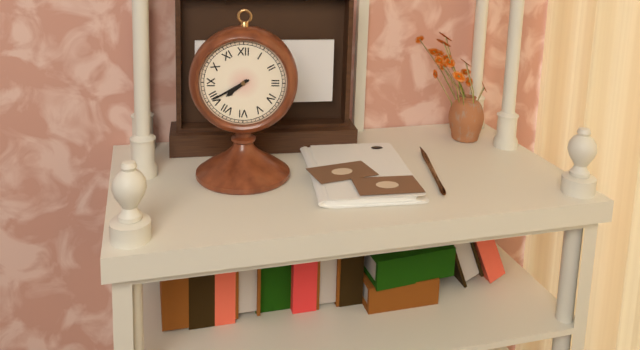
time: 7:40
